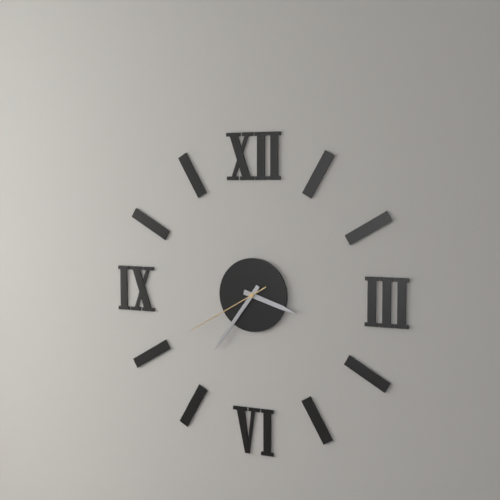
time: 3:36:40
